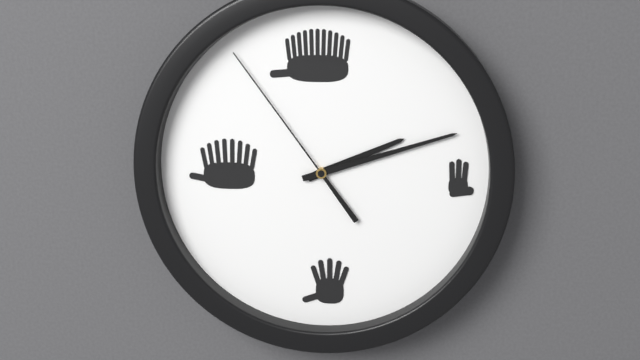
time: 2:12:54
